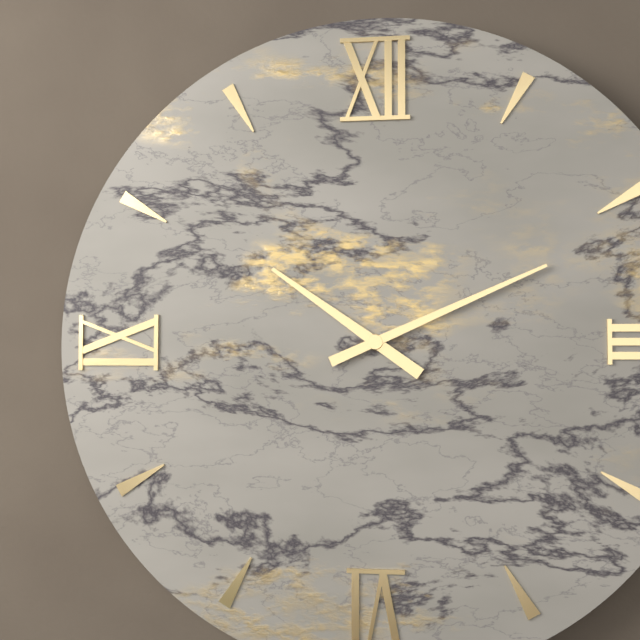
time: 10:11
